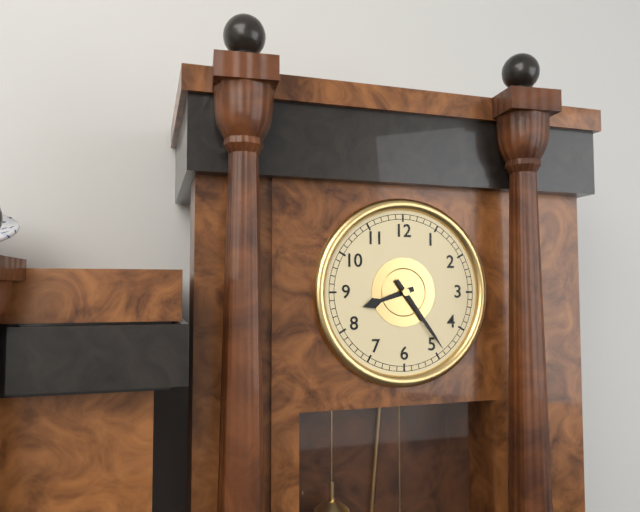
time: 8:24
